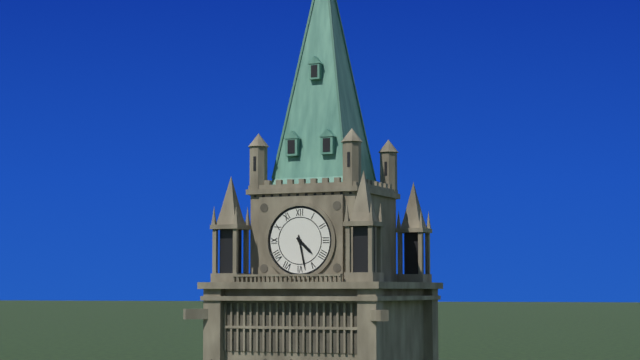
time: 4:28
